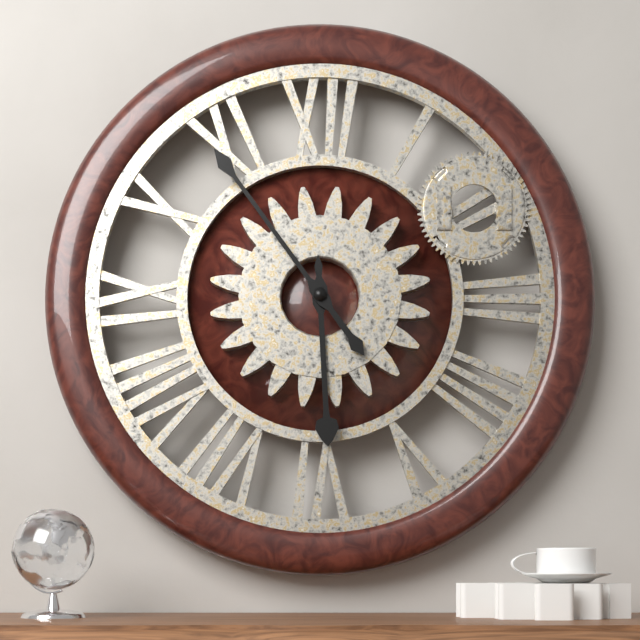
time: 5:54
